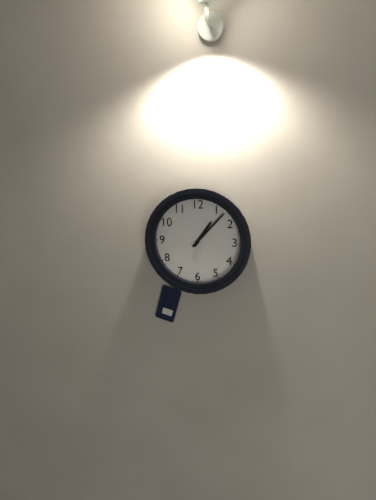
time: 1:07
